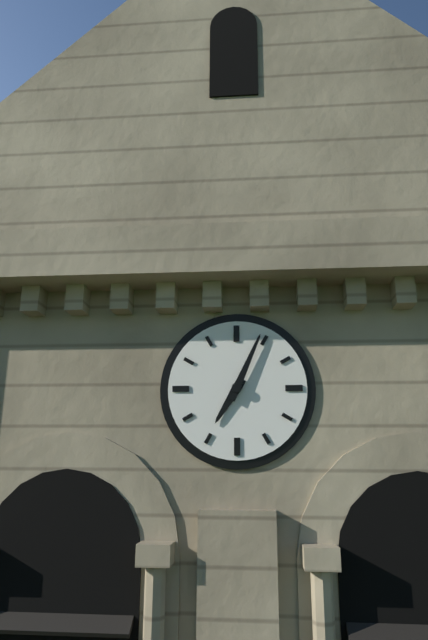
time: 7:04
